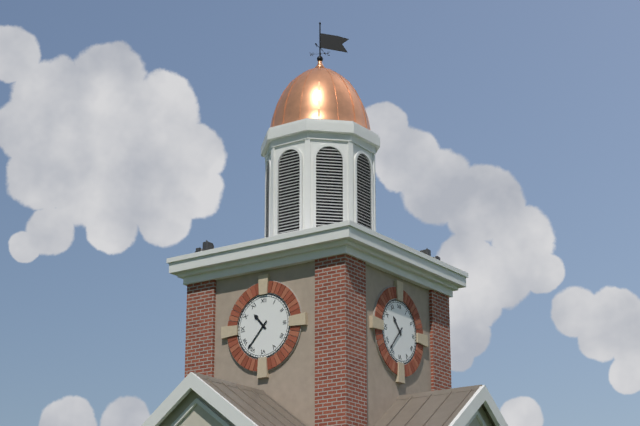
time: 10:37
